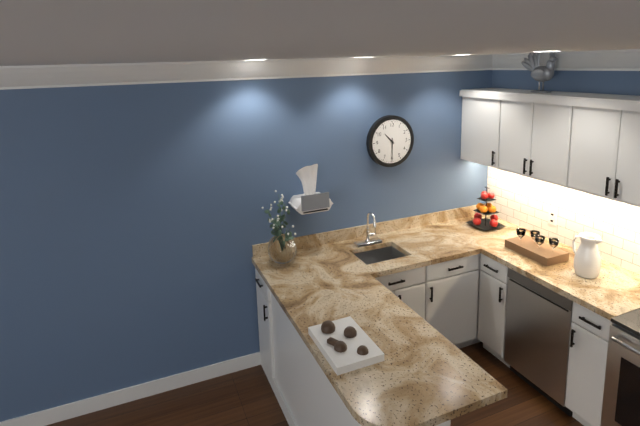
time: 10:30
